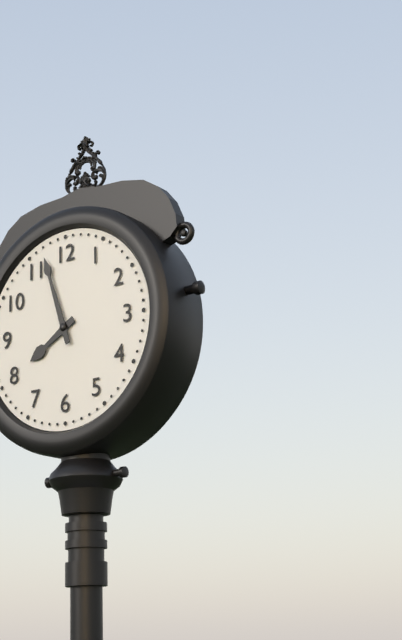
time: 7:57
